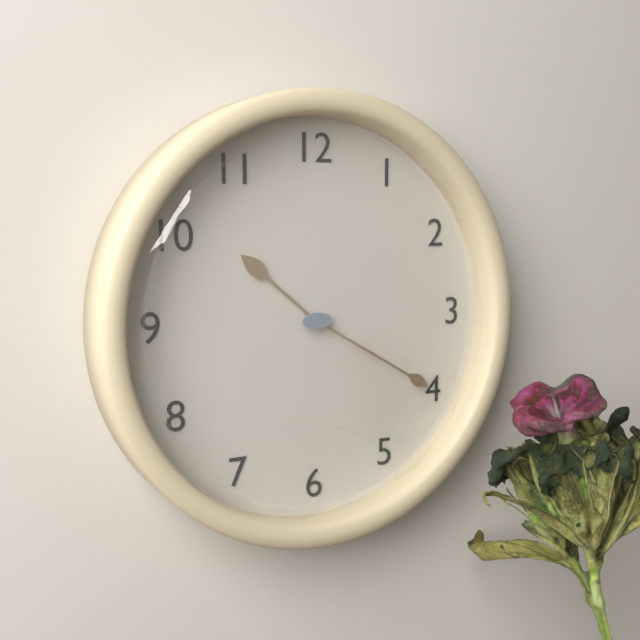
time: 10:20
